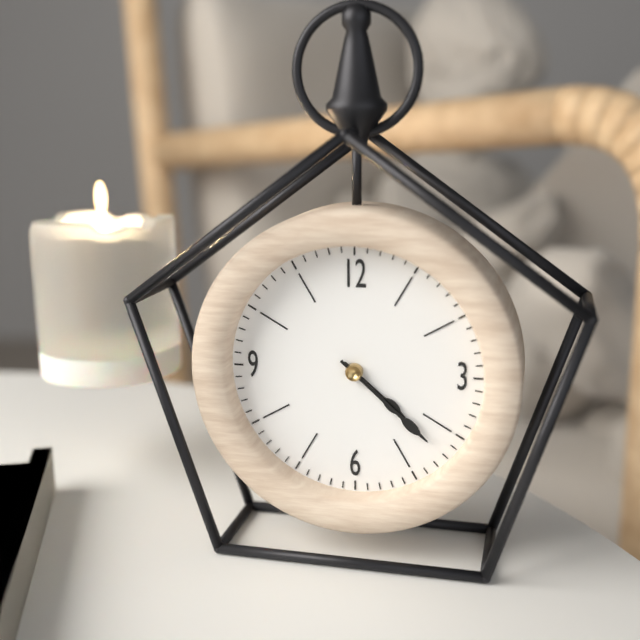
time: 4:22
